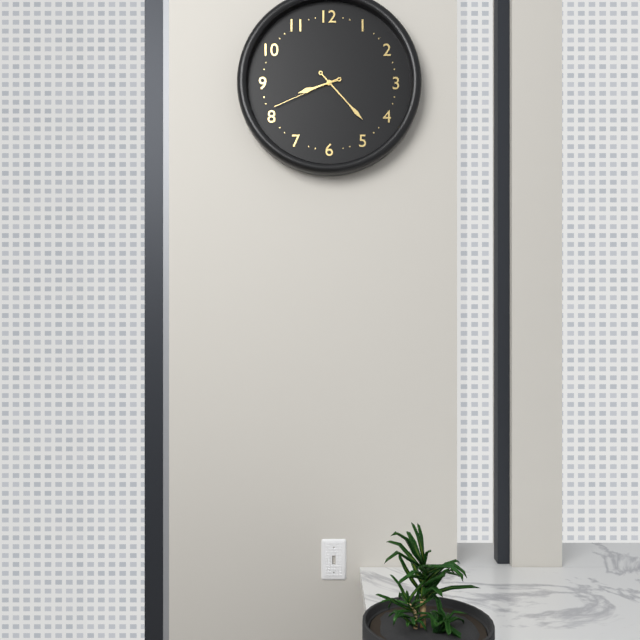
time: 8:23:41
